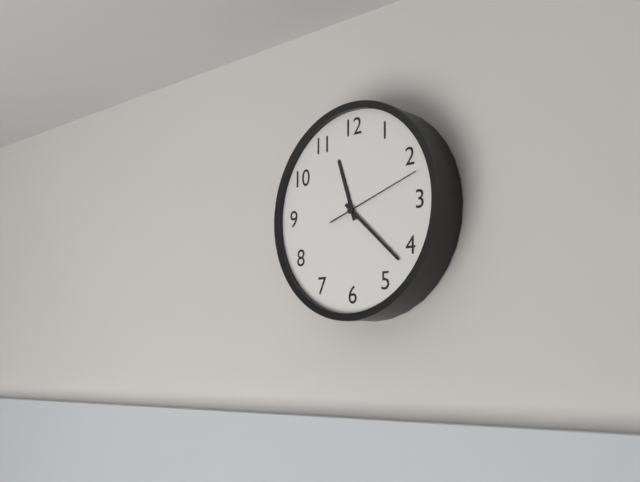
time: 11:22:12
